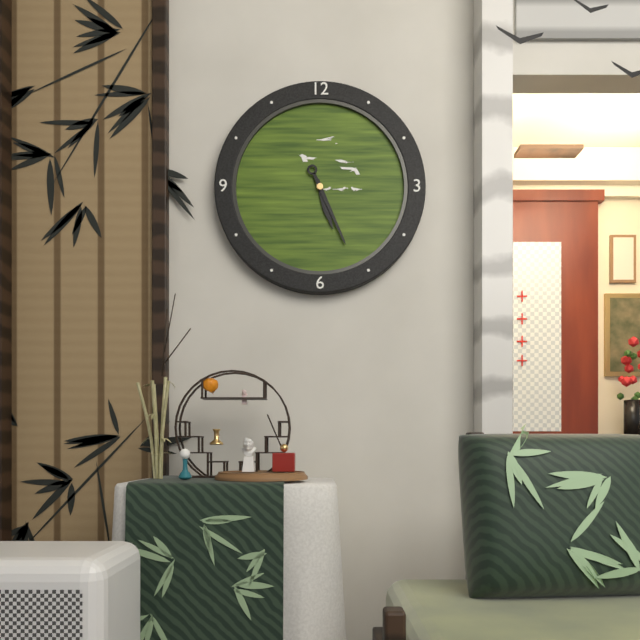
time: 5:26
